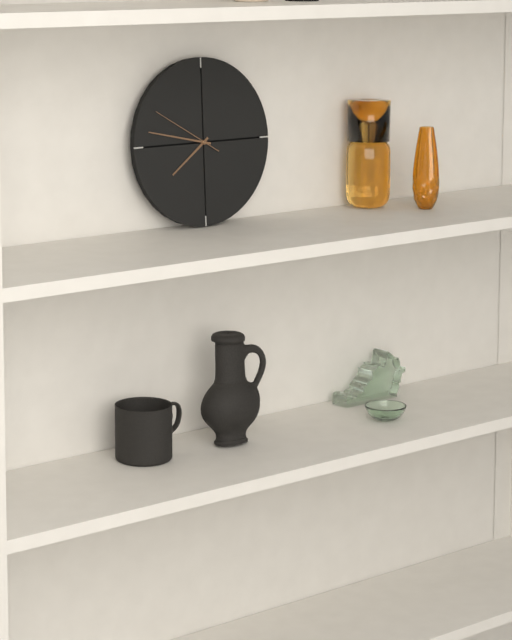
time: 7:47:50
